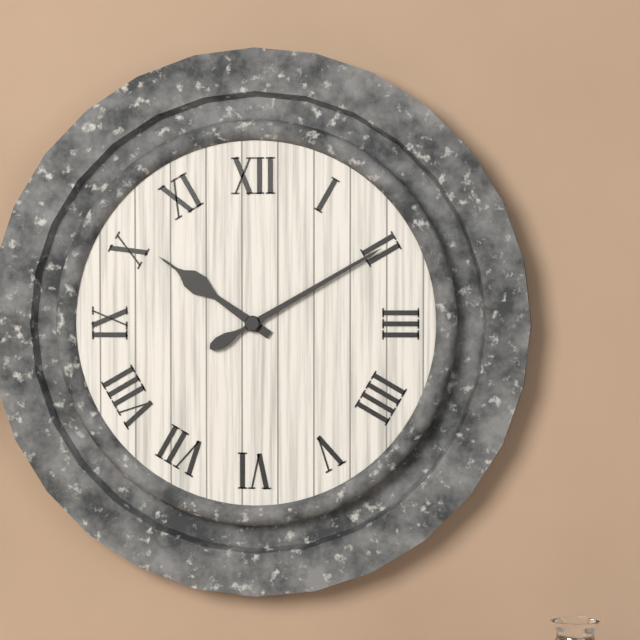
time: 10:10
